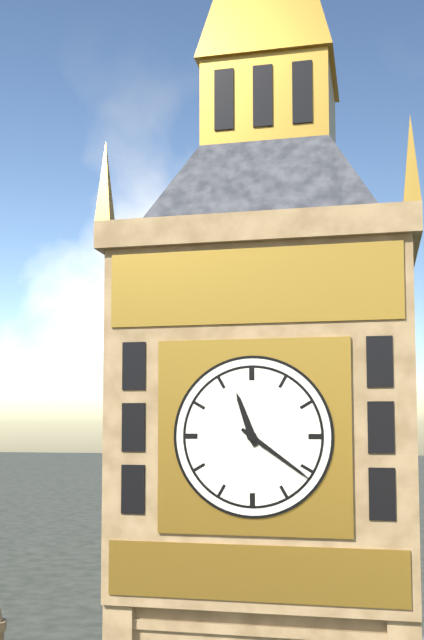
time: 11:21
